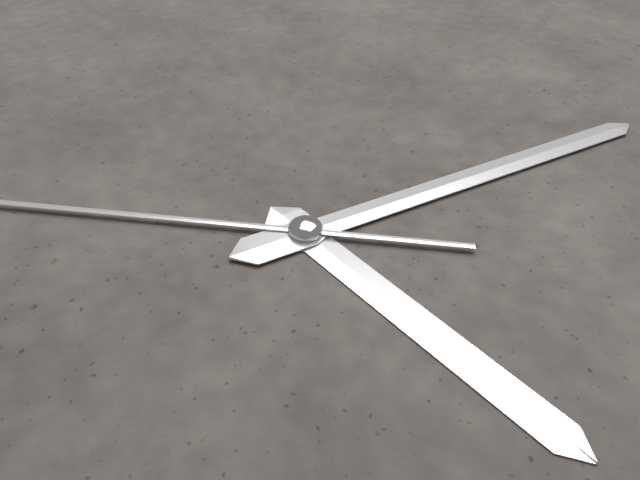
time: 5:13
